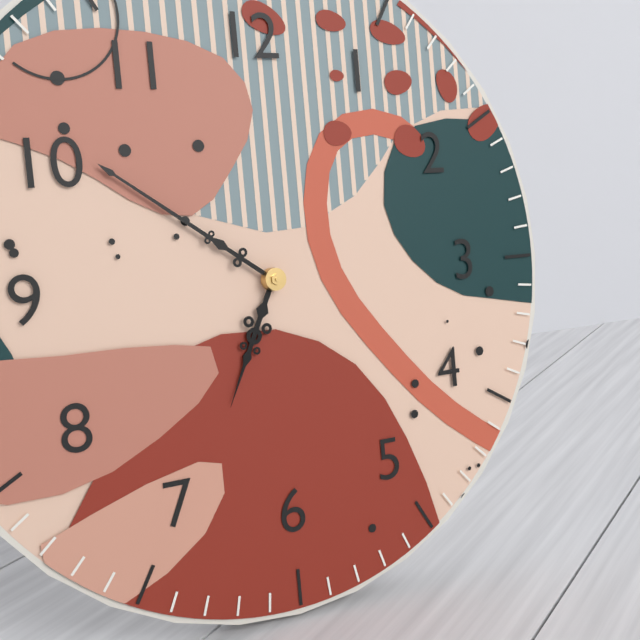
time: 6:51
